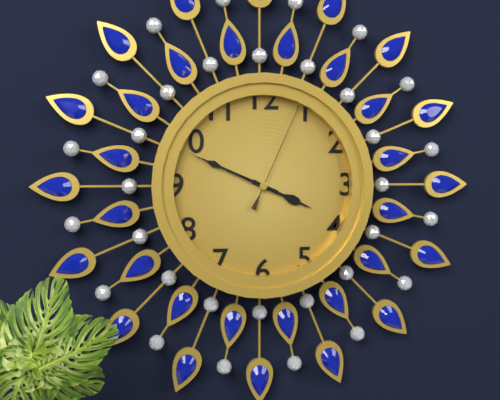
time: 3:49:04
